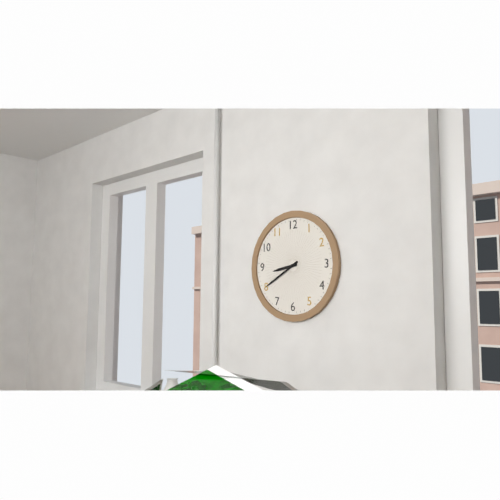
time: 8:40
